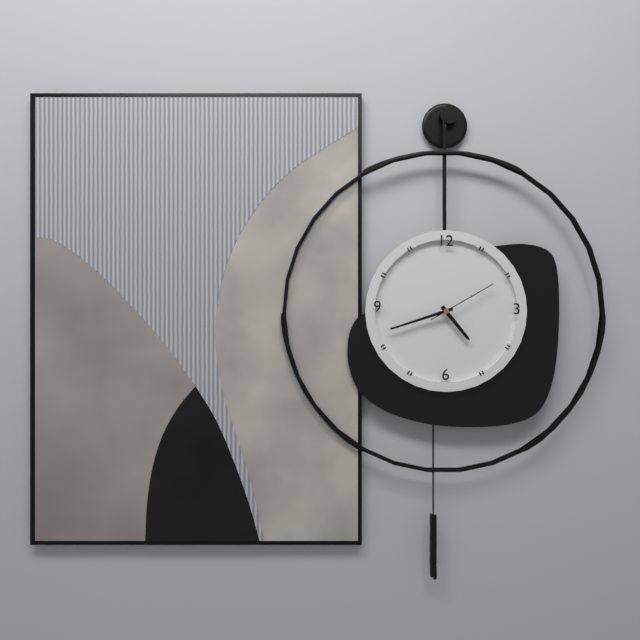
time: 4:42:10
